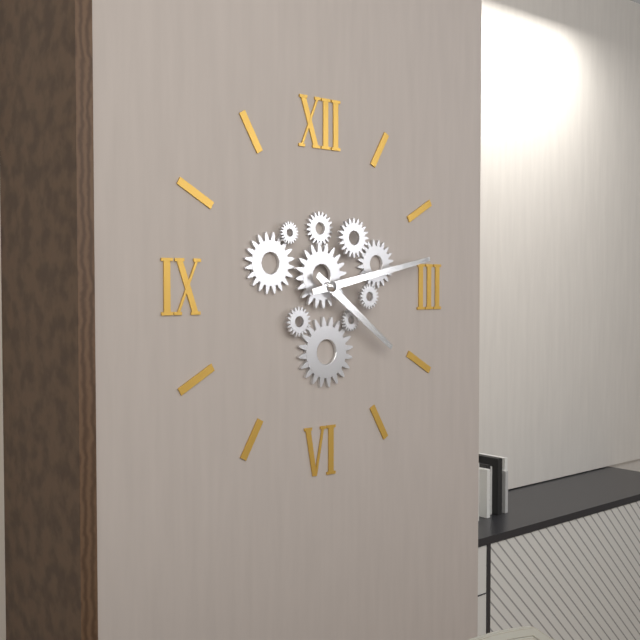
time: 4:13
